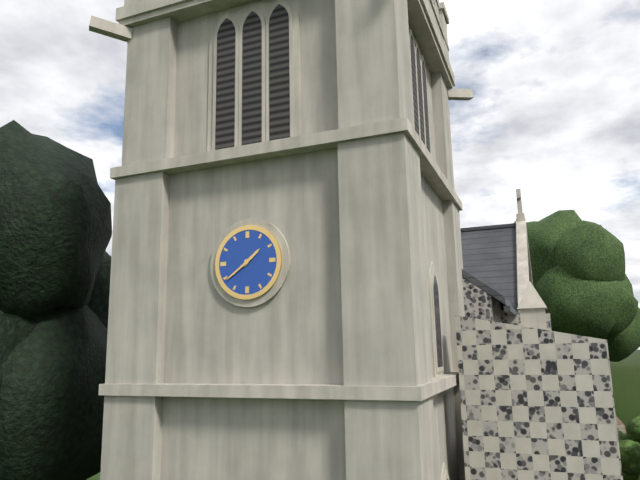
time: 1:39
